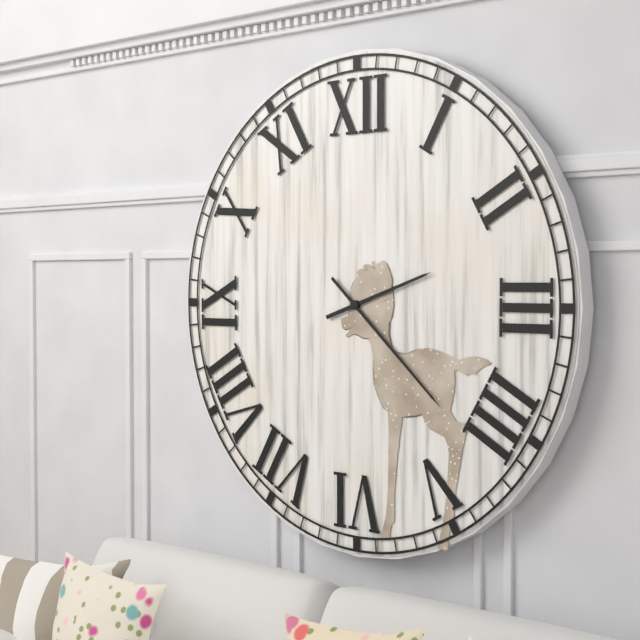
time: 2:22
